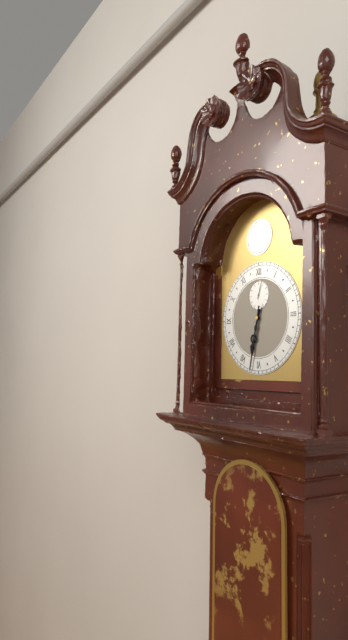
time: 6:32
